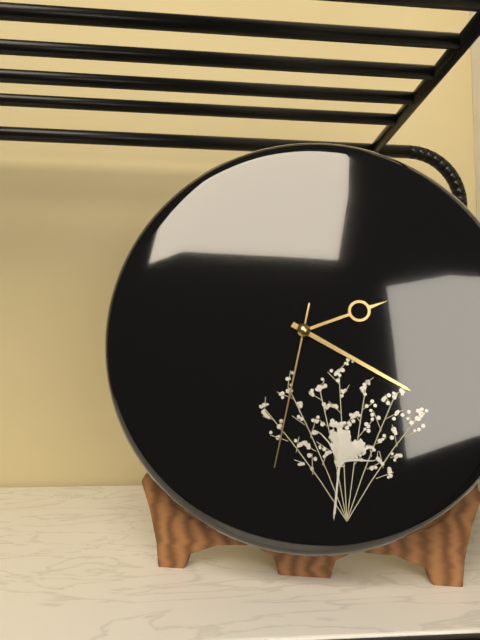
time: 2:20:32
